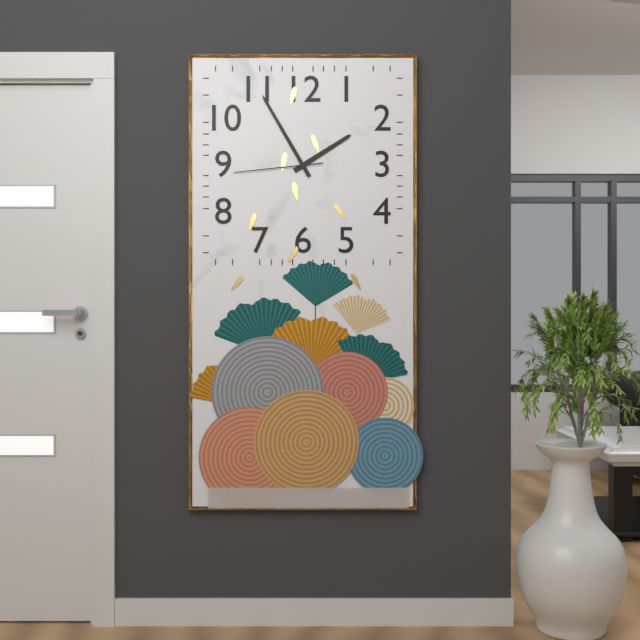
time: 1:55:44
